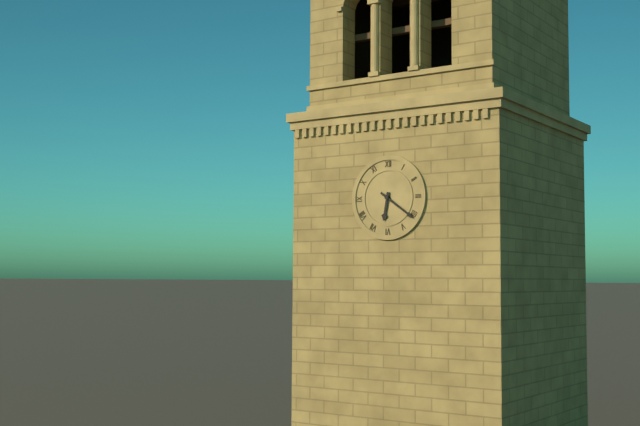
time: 6:21
